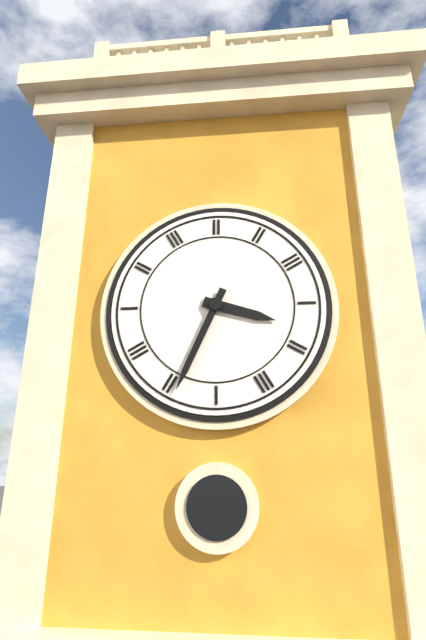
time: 3:34
